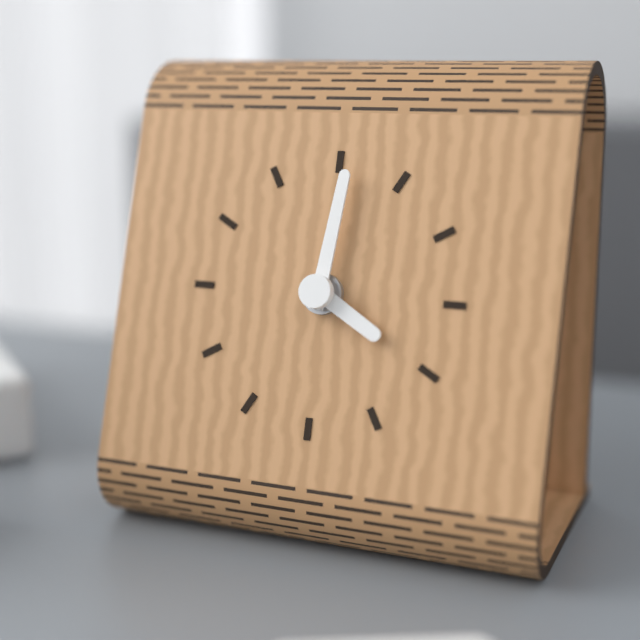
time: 4:01
